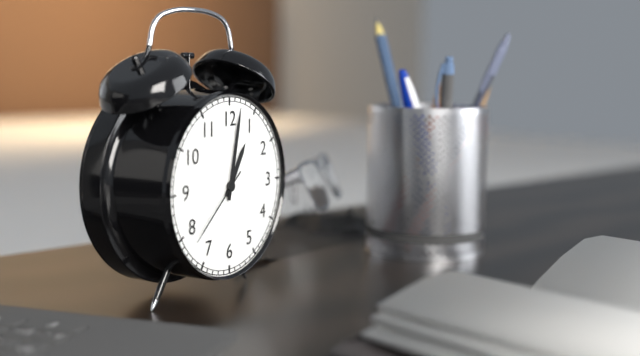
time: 1:02:38
